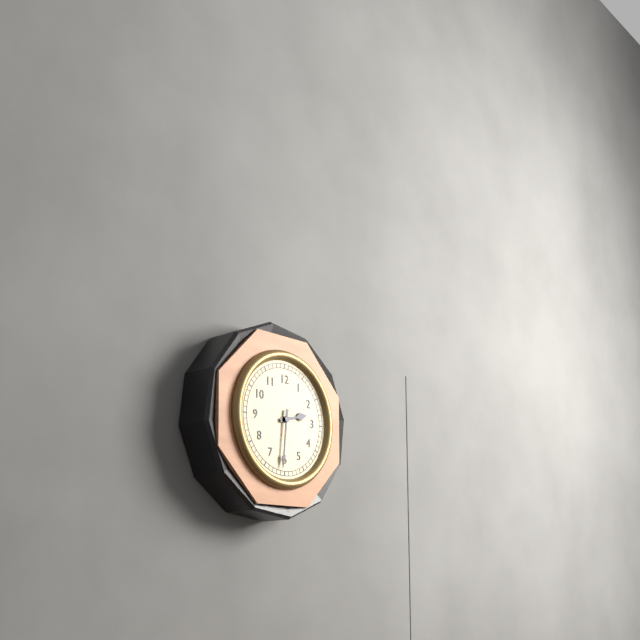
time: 2:31
